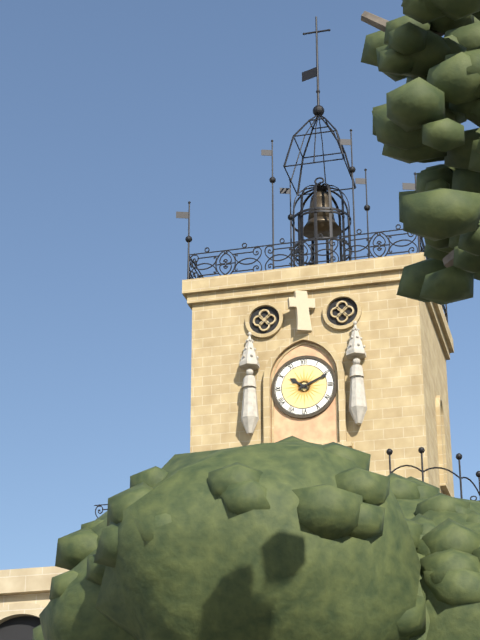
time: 10:11
